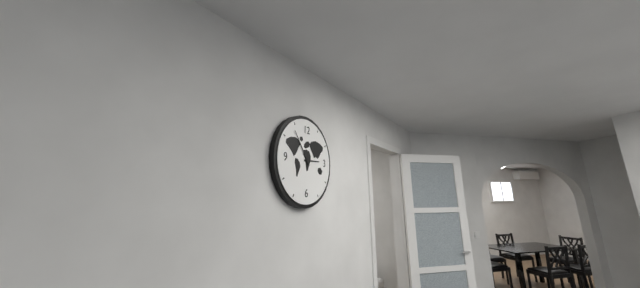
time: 2:54
